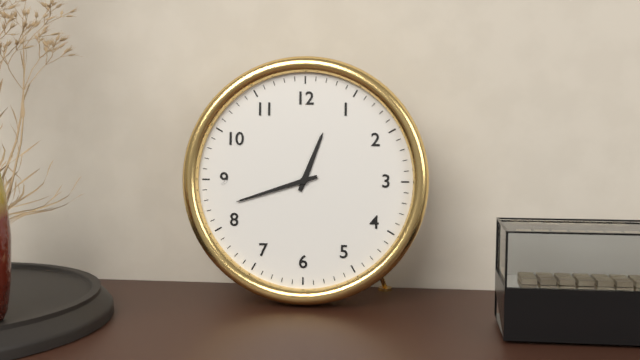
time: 12:42
